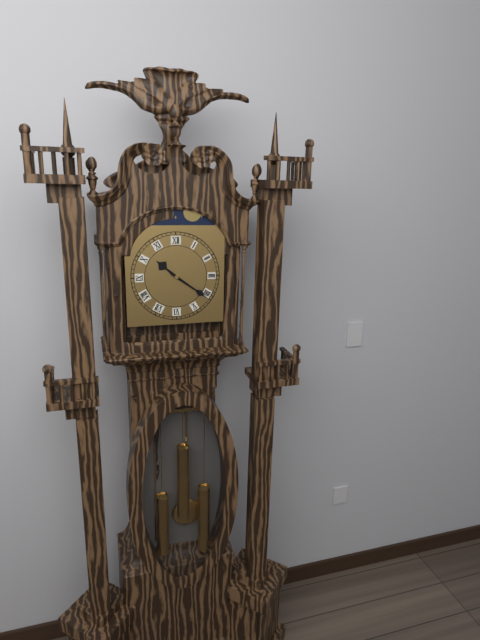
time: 10:21
